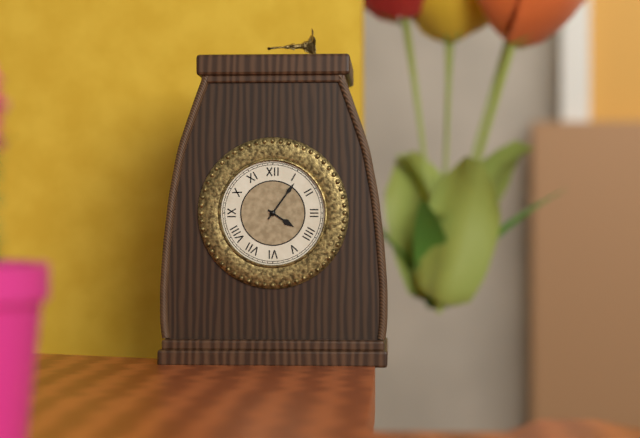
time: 4:06
